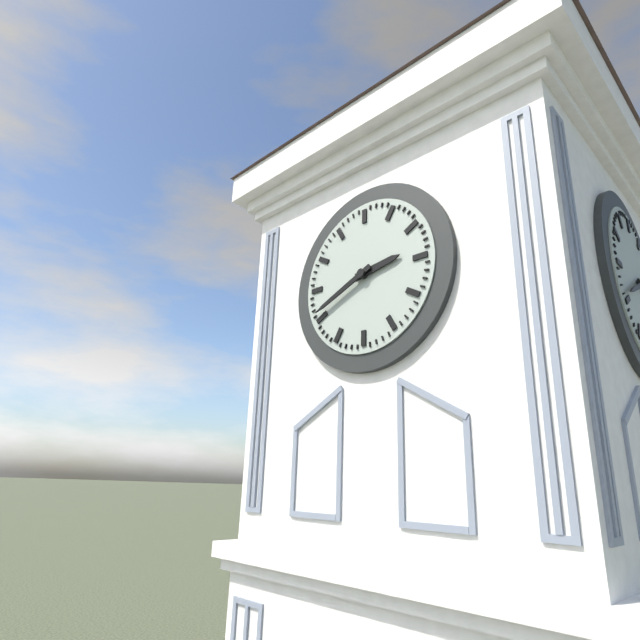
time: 2:41
